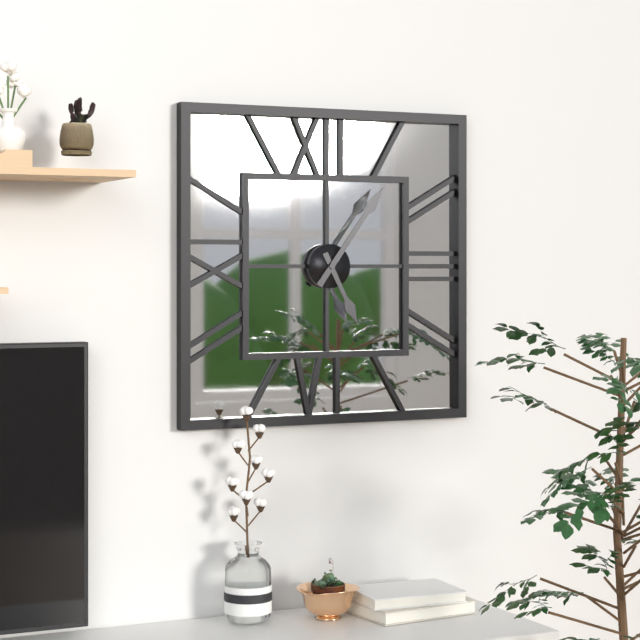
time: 5:06
